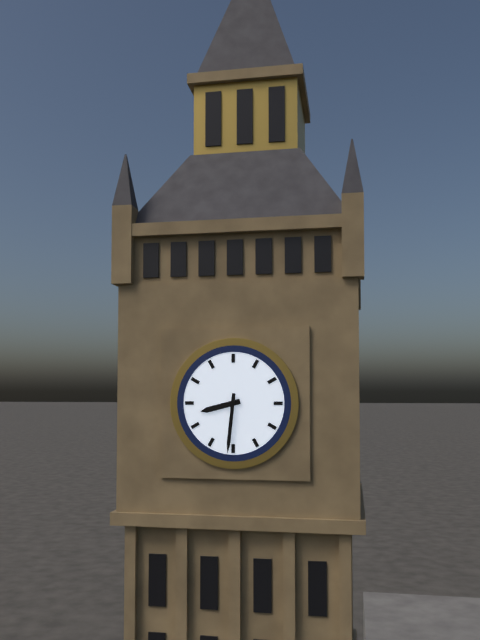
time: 8:31
